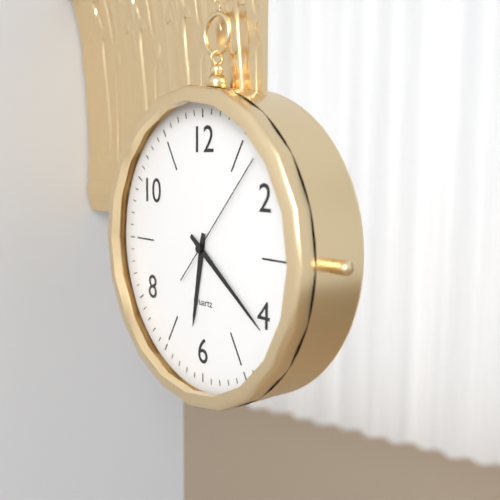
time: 6:21:07
